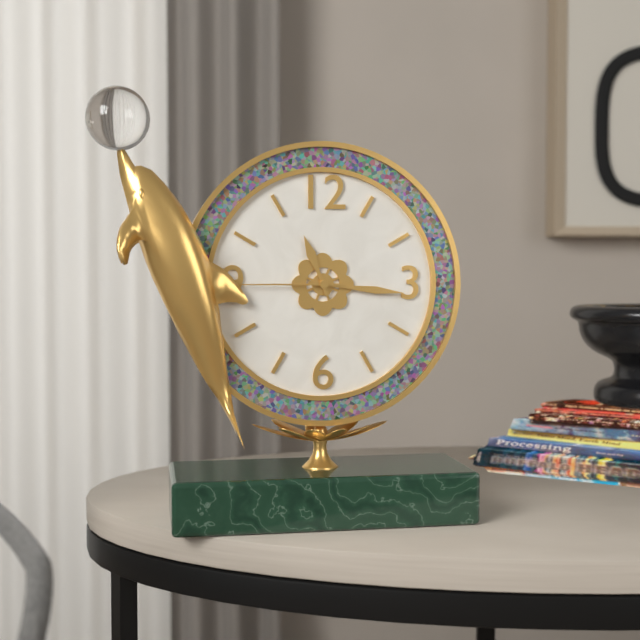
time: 11:16:45
